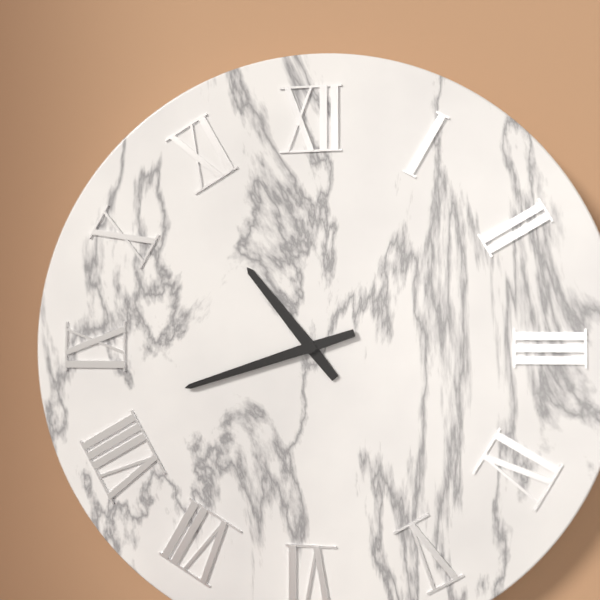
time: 10:42
